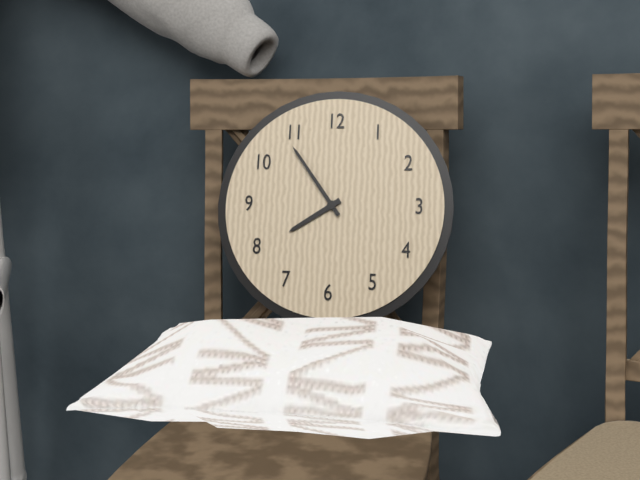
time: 7:54
